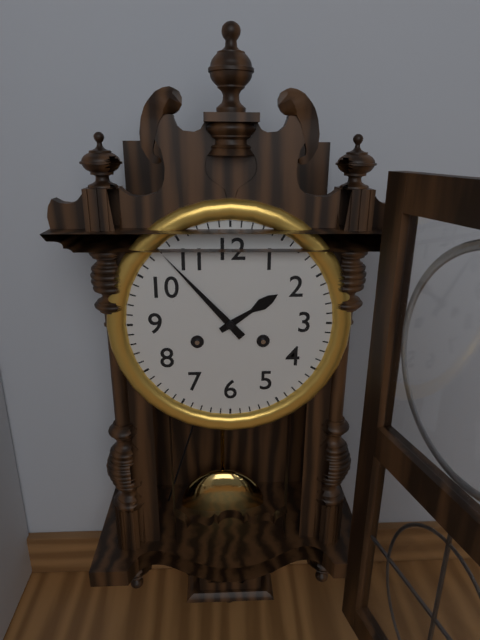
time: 1:53
